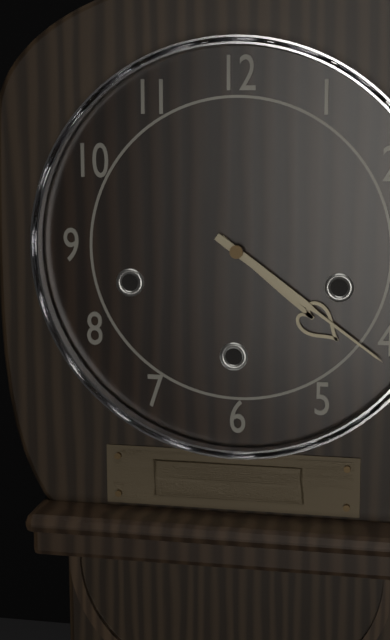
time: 4:21
